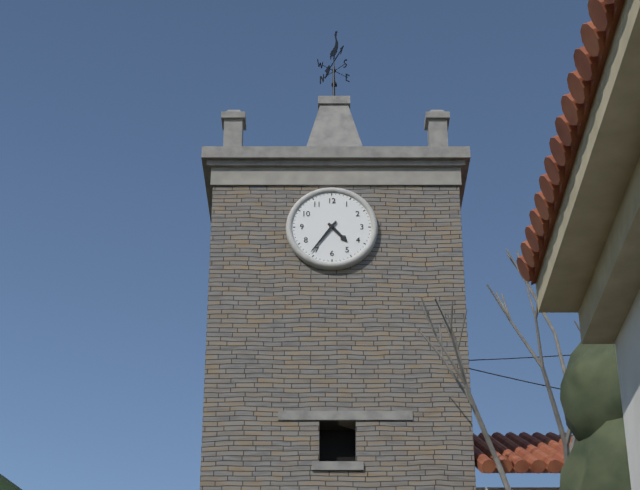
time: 4:36
